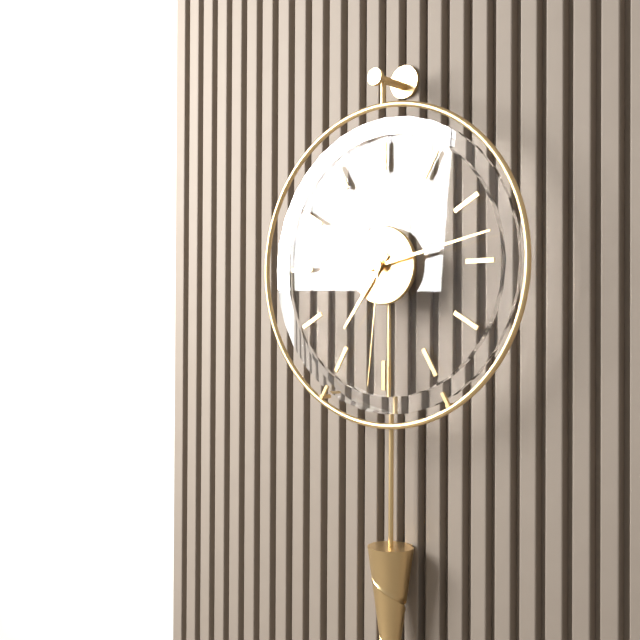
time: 7:13:31
